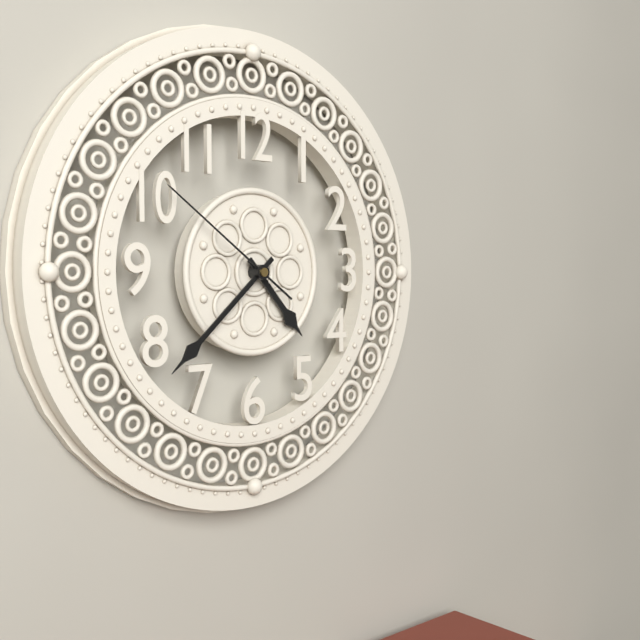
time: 4:38:51
